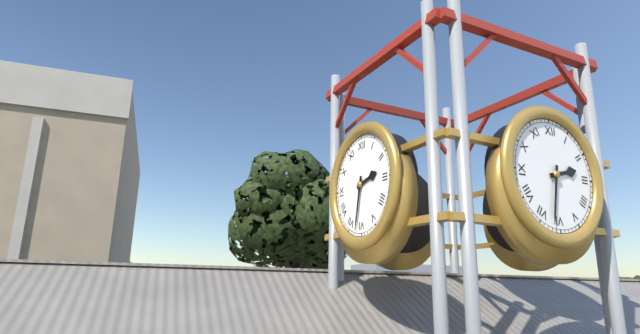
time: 2:32
